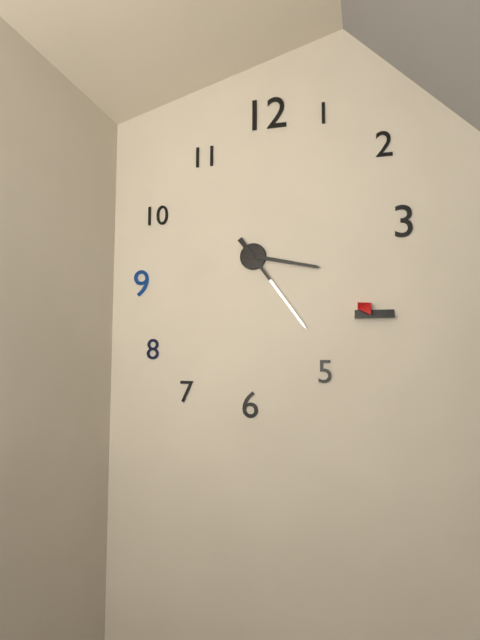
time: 3:24
